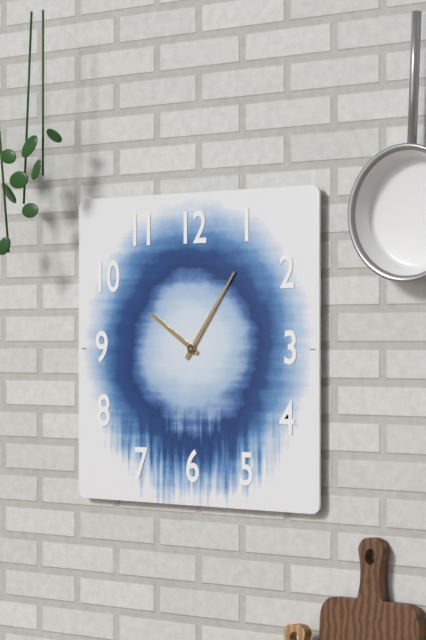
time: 10:06
